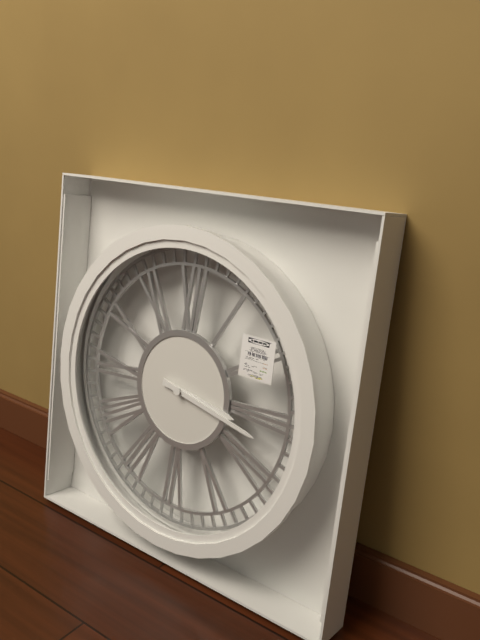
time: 3:17
